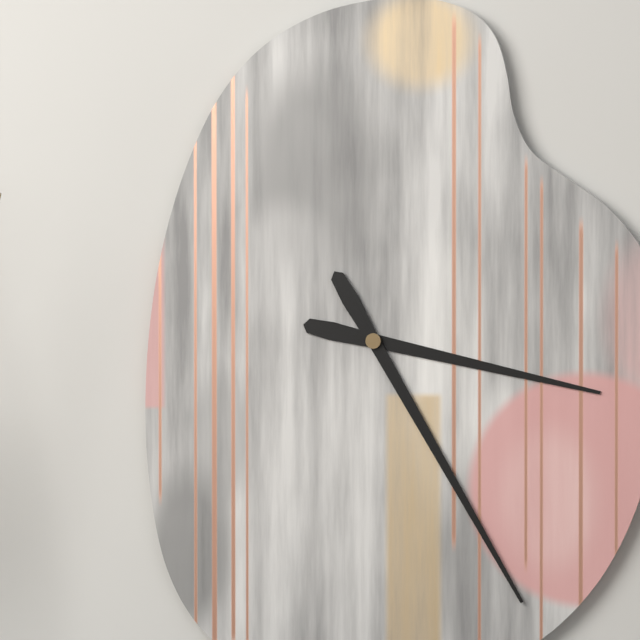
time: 3:25
